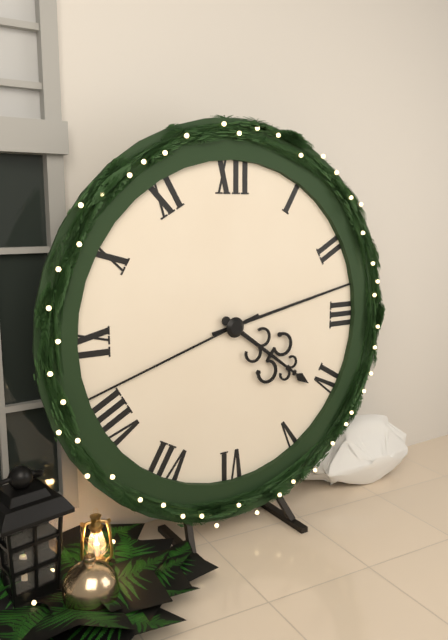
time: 4:13:42
